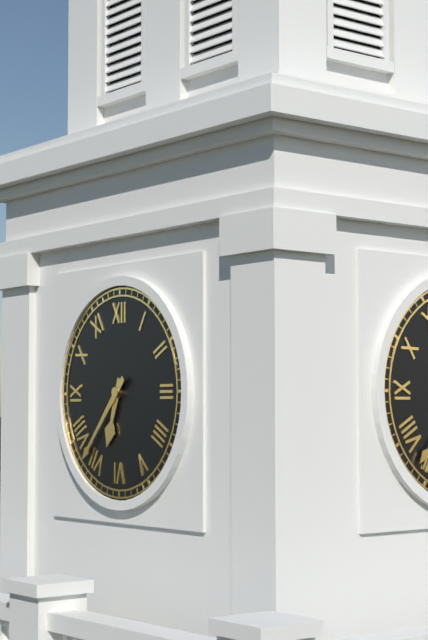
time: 6:37
